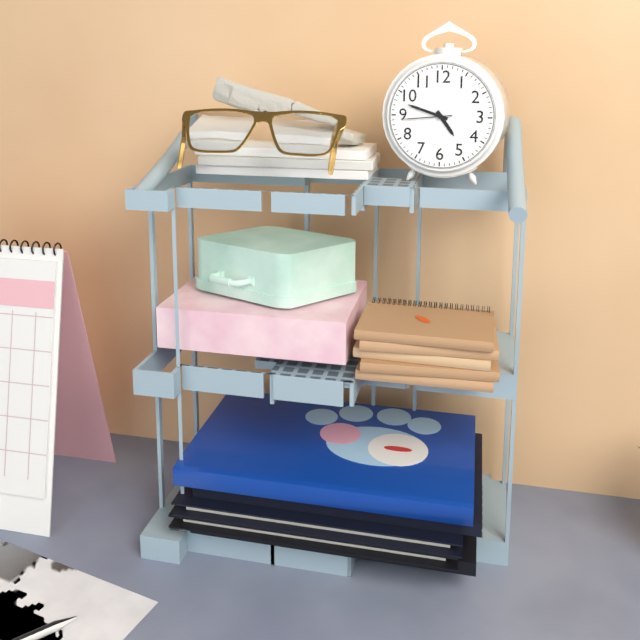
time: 4:48
